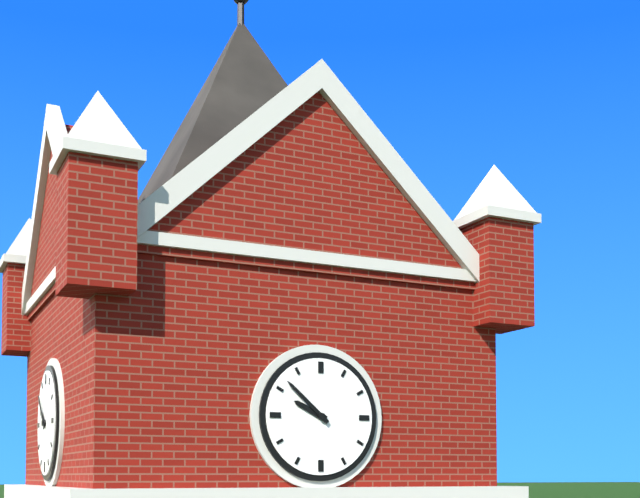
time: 9:52
